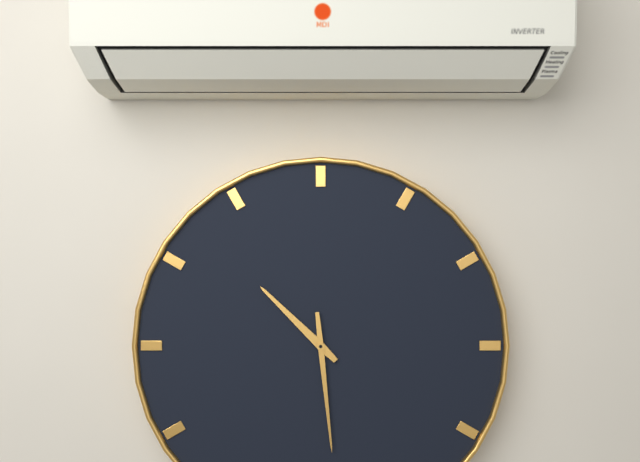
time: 10:29
